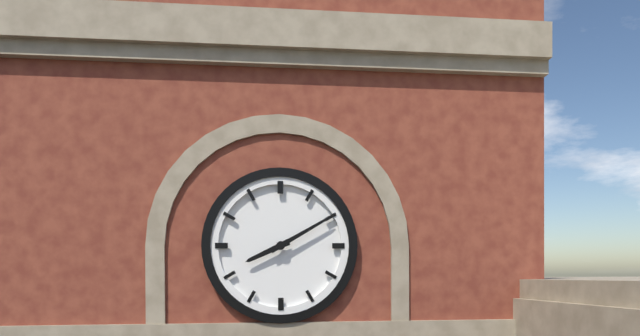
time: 8:10
